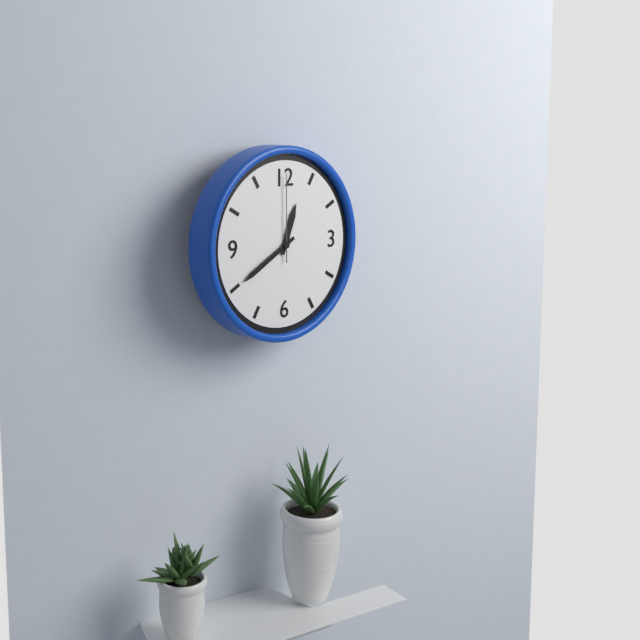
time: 12:40:00
